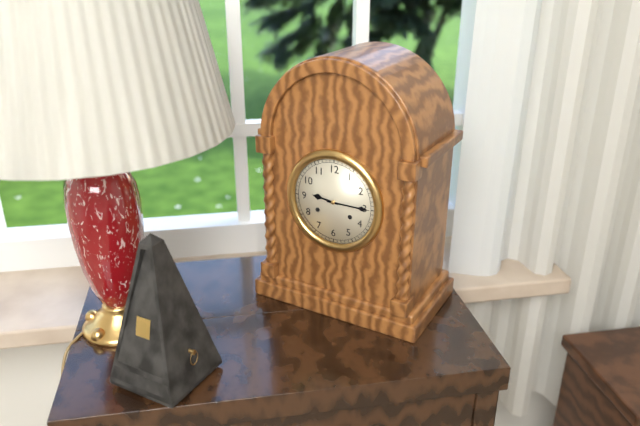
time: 9:15
